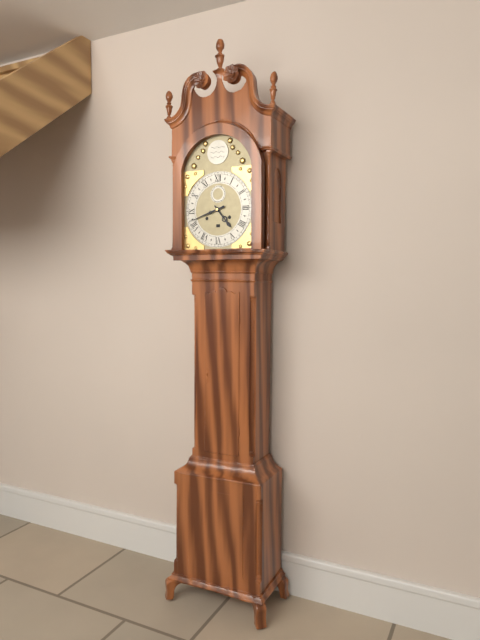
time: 4:42
